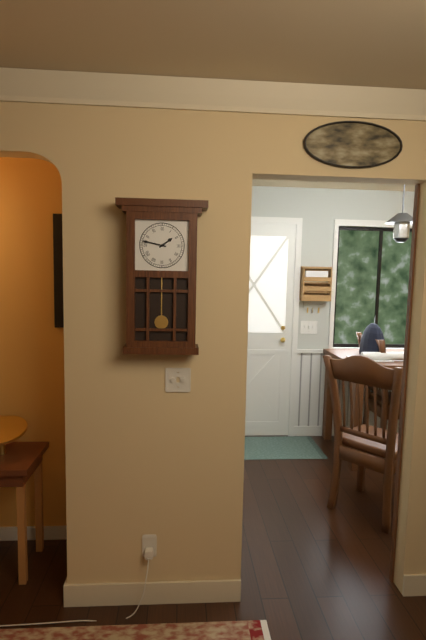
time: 1:47
